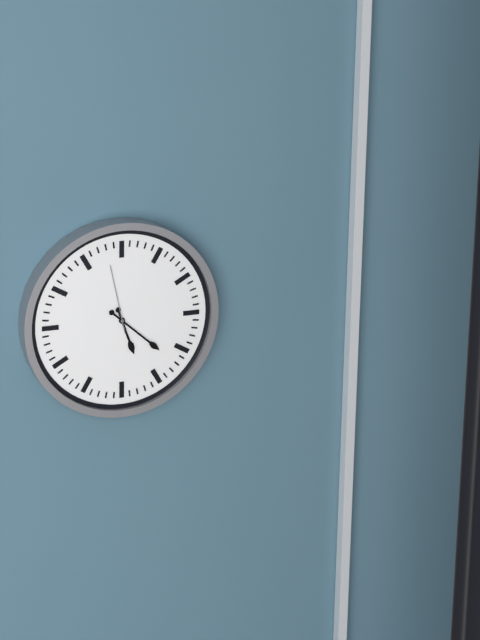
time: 5:22:58
